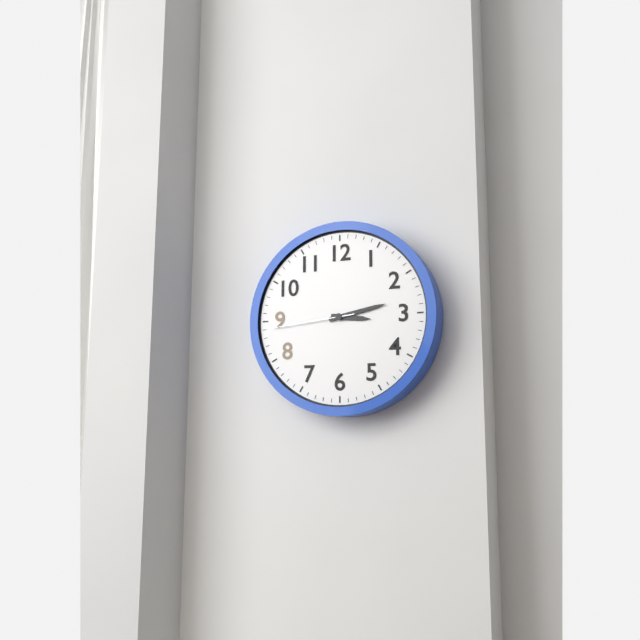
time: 3:13:44
